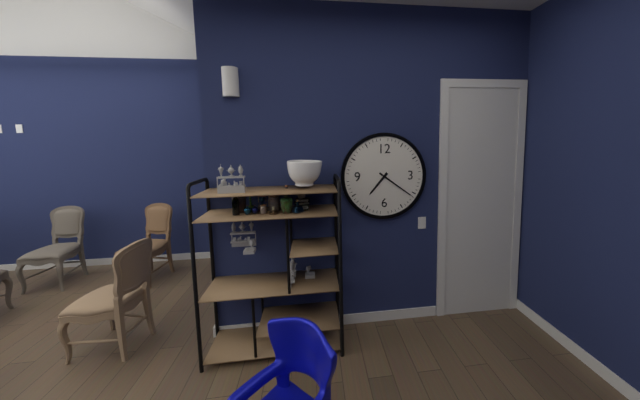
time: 7:21
